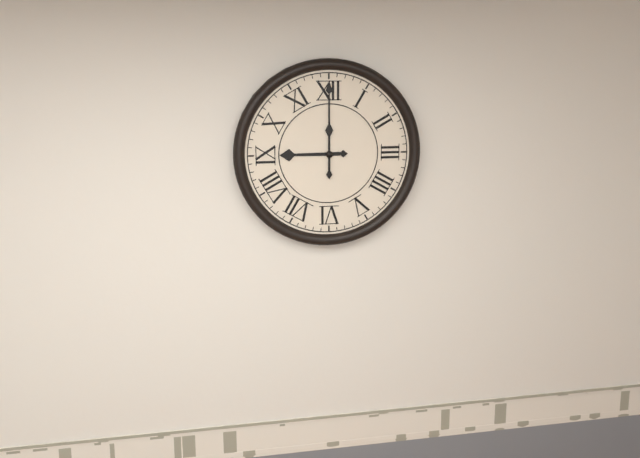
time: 9:00
